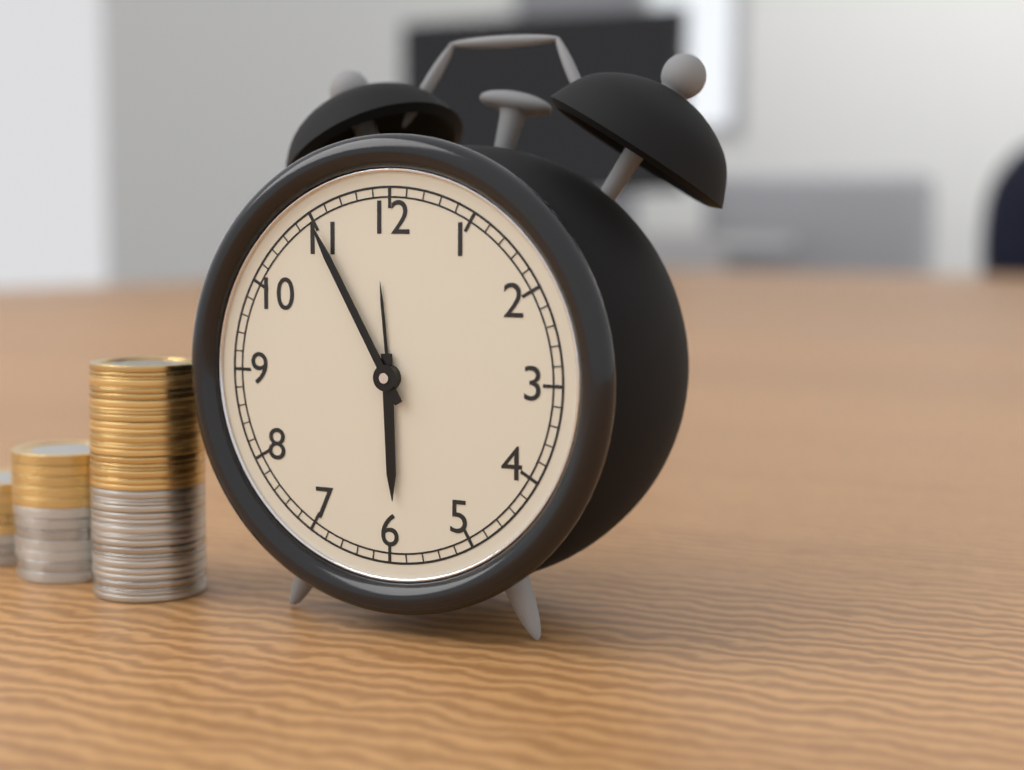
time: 5:55
